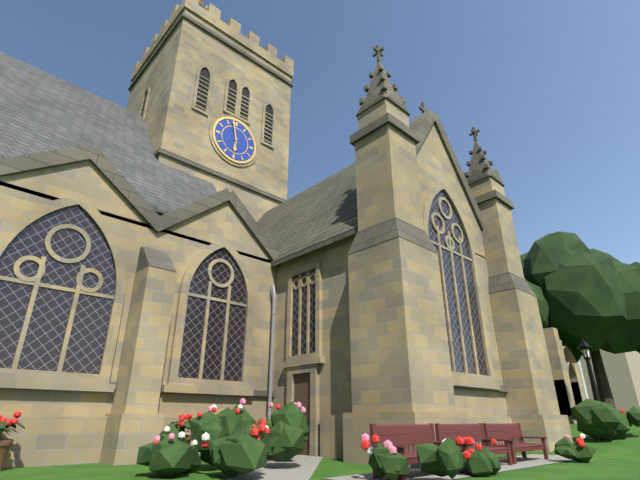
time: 5:58
